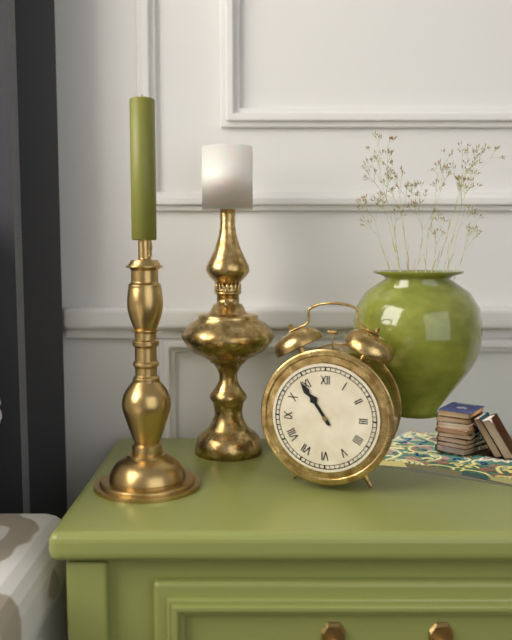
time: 10:54
